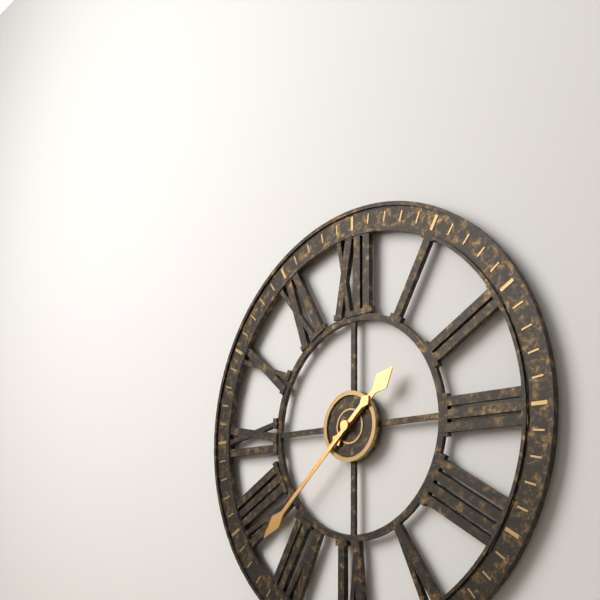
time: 1:38
